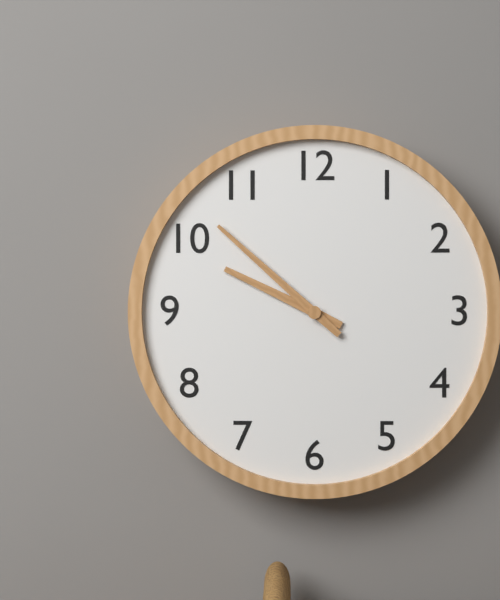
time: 9:52
